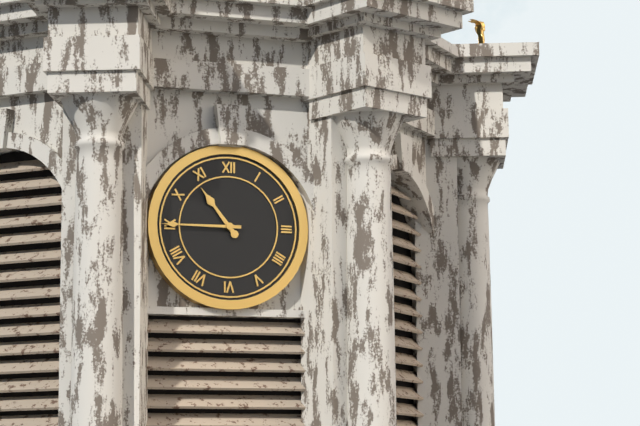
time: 10:45
